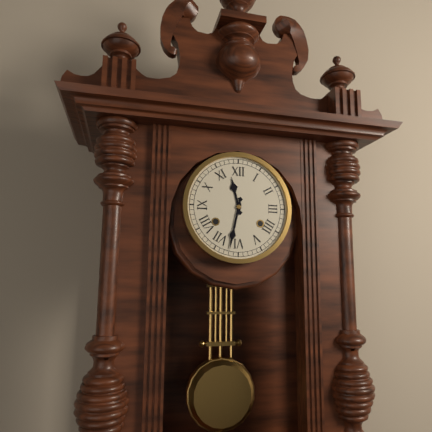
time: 11:32
